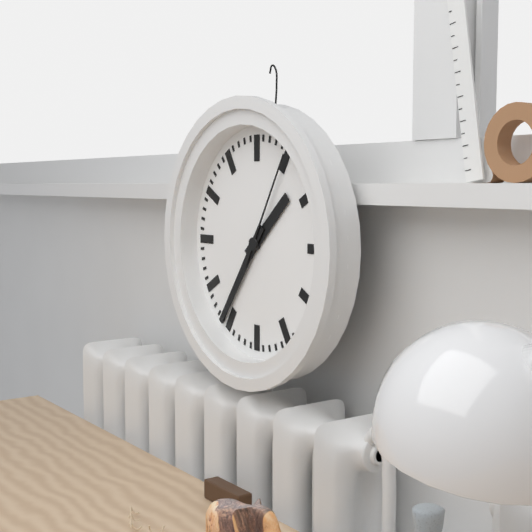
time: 1:36:05
